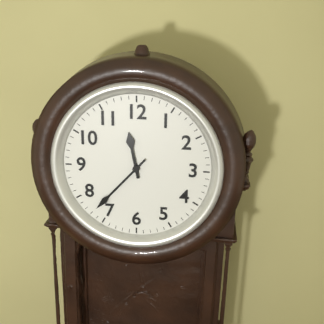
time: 11:37
